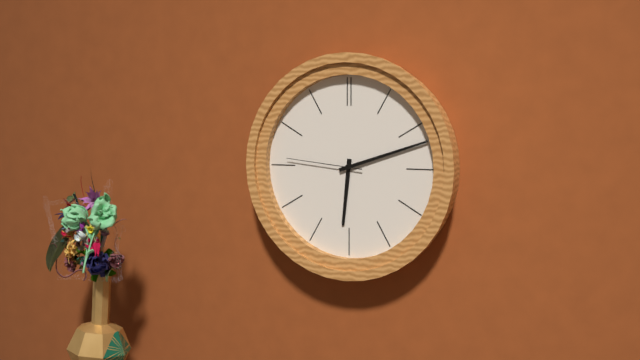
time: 6:12:46
